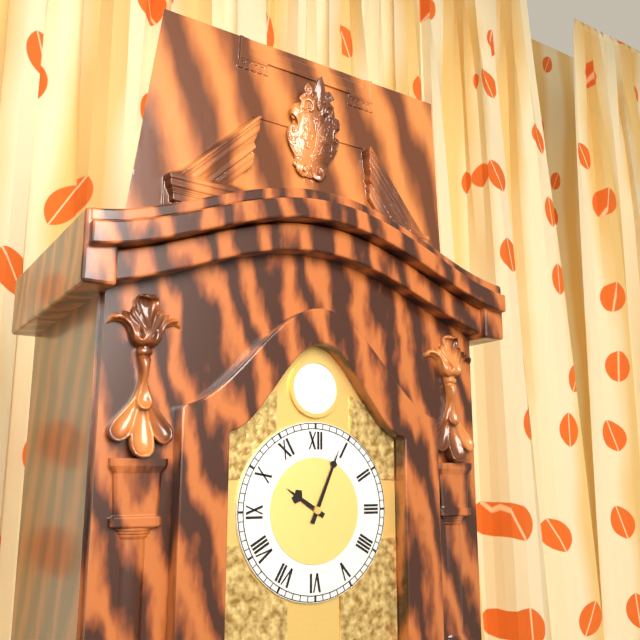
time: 10:04
